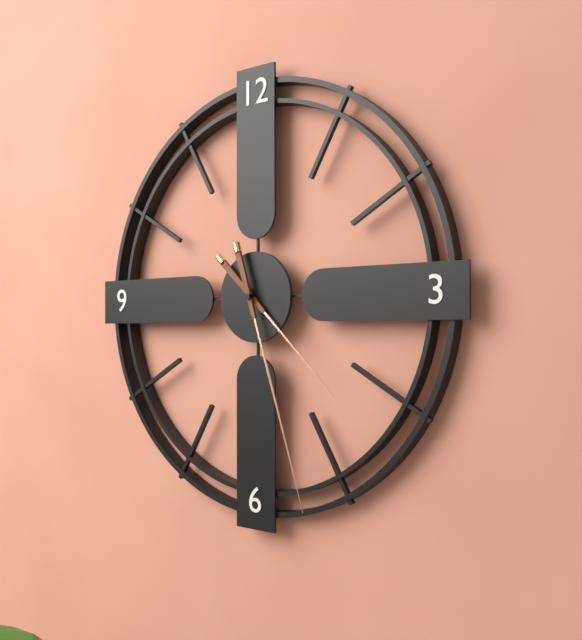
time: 4:27
